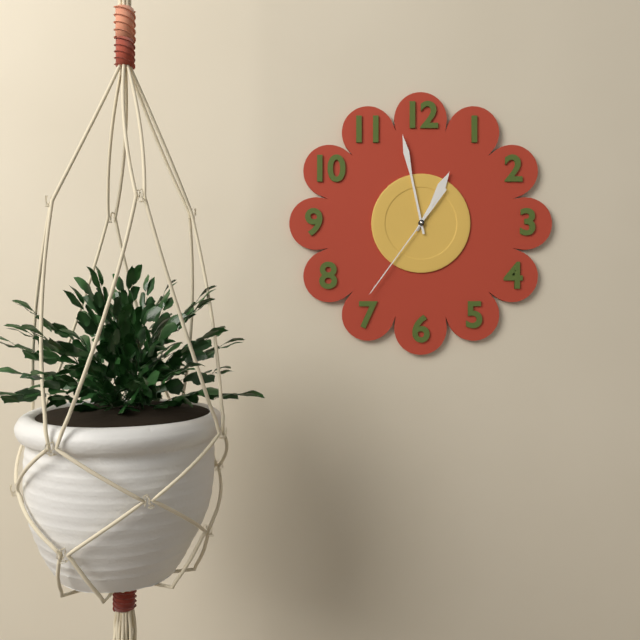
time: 12:58:36
